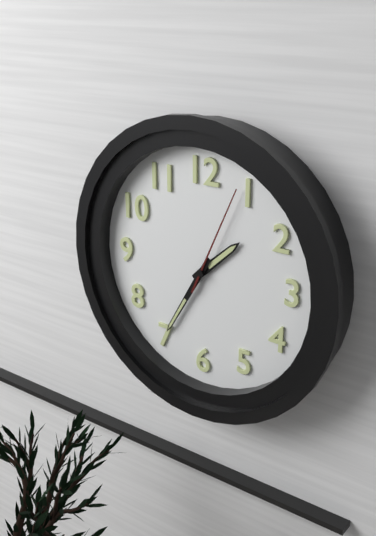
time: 1:35:04
